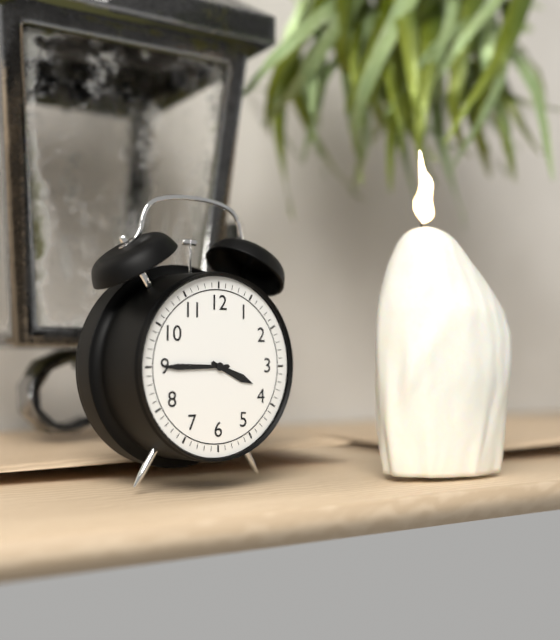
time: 3:45
